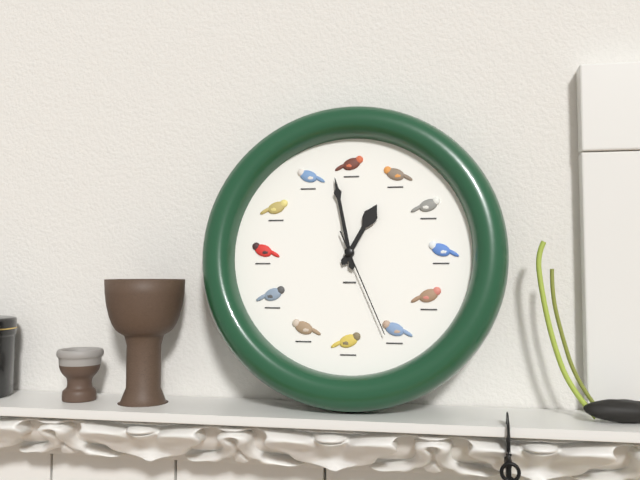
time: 12:58:26
